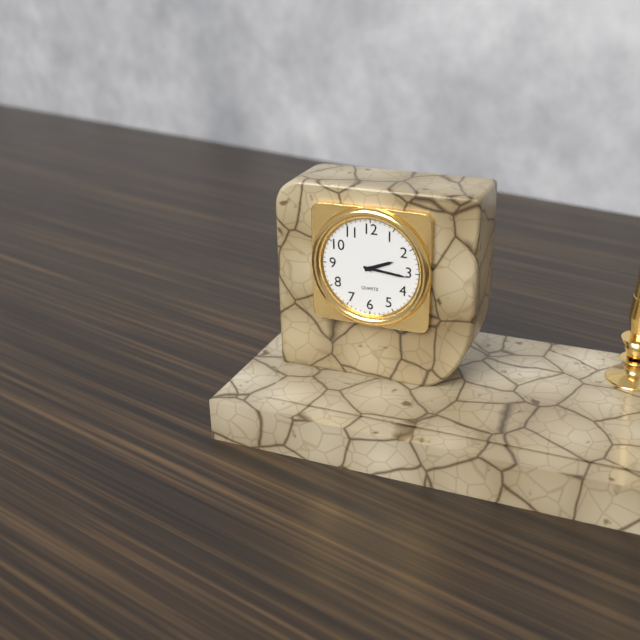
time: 2:16
